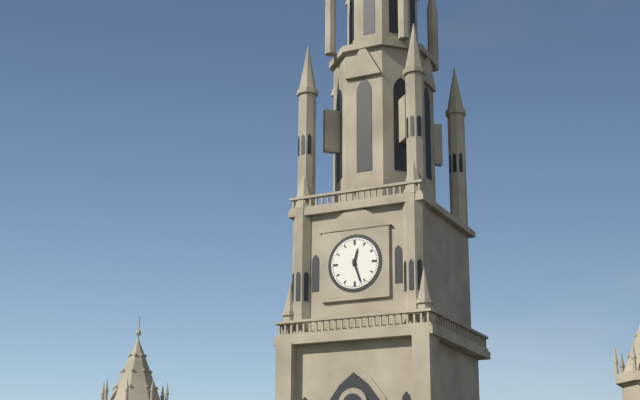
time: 12:27
